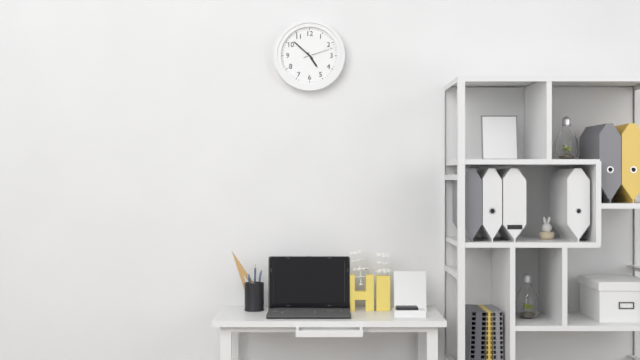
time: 4:52
